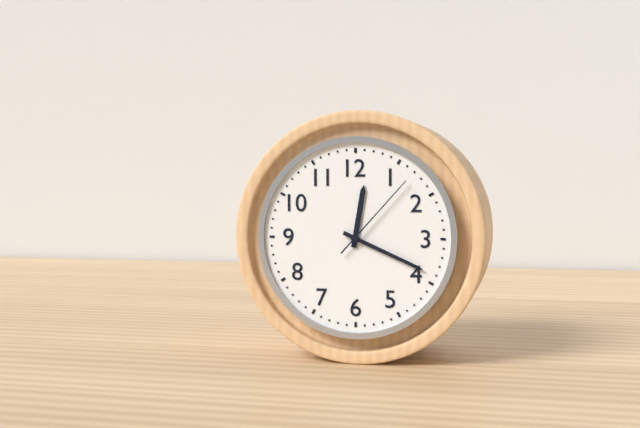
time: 12:19:07
